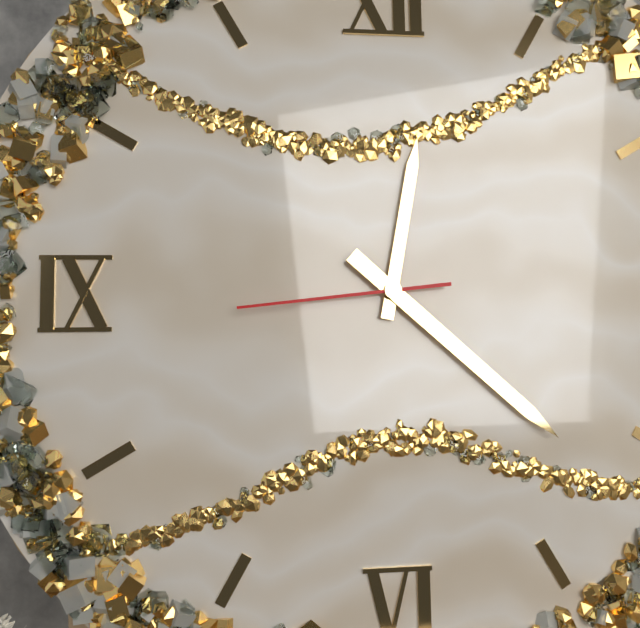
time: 12:22:44
